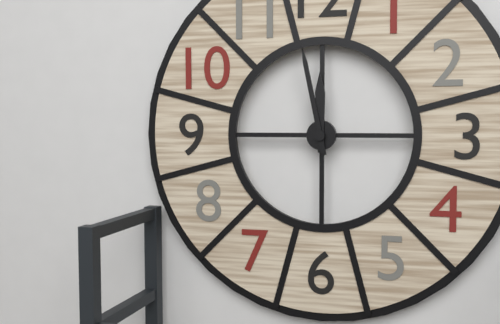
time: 11:58
